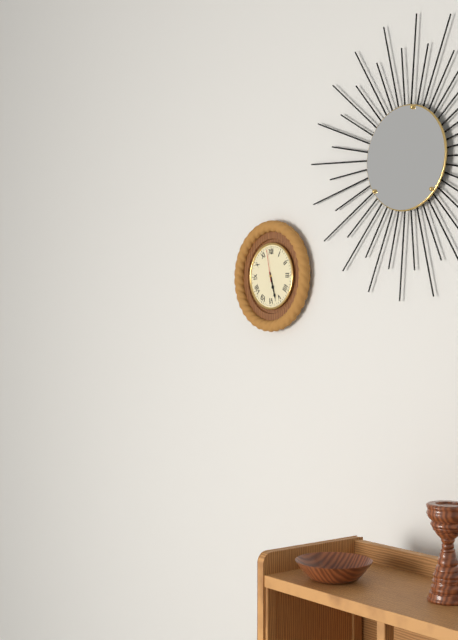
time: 5:27
